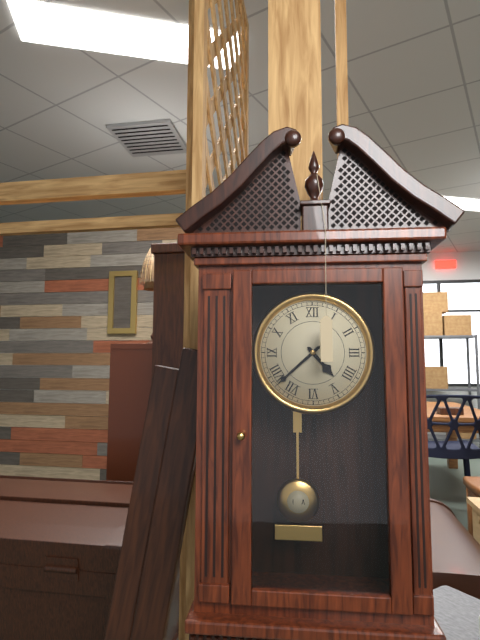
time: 4:38
